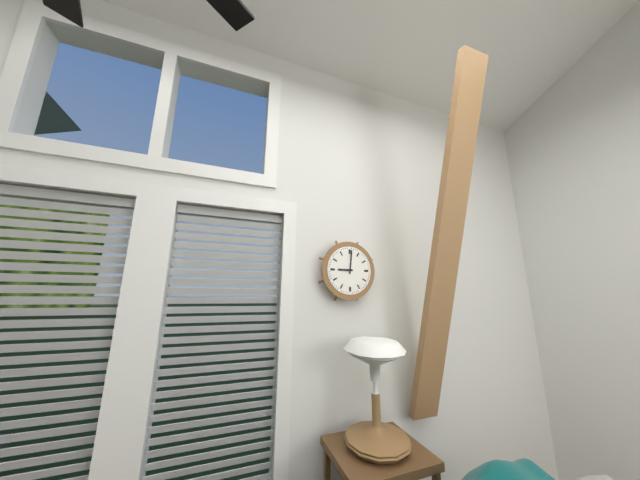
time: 9:01
